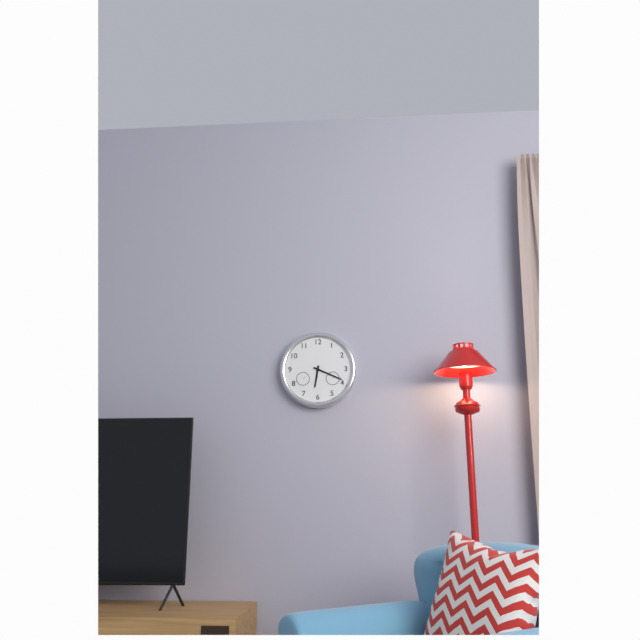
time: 6:19
